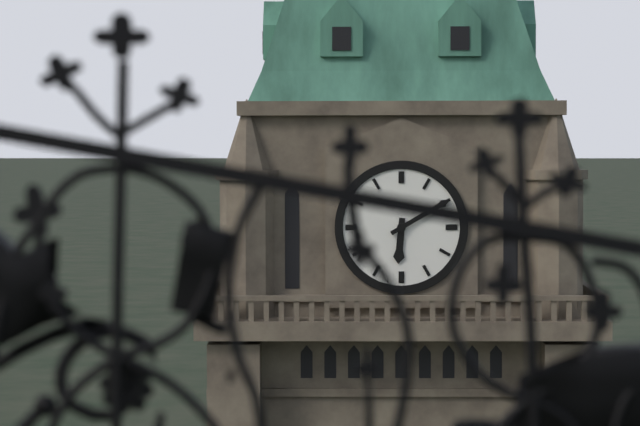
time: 6:10
